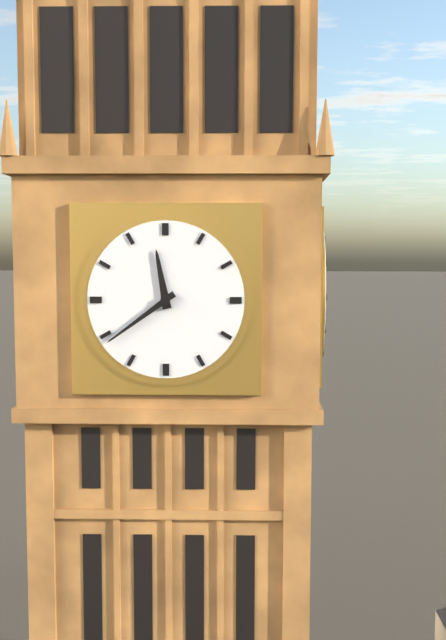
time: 11:39
